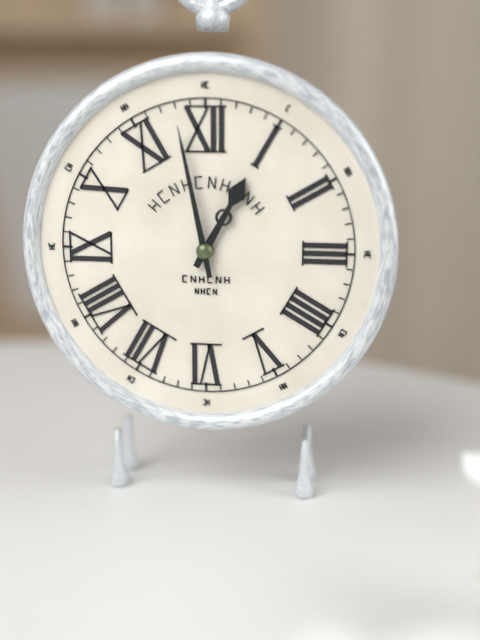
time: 12:58
